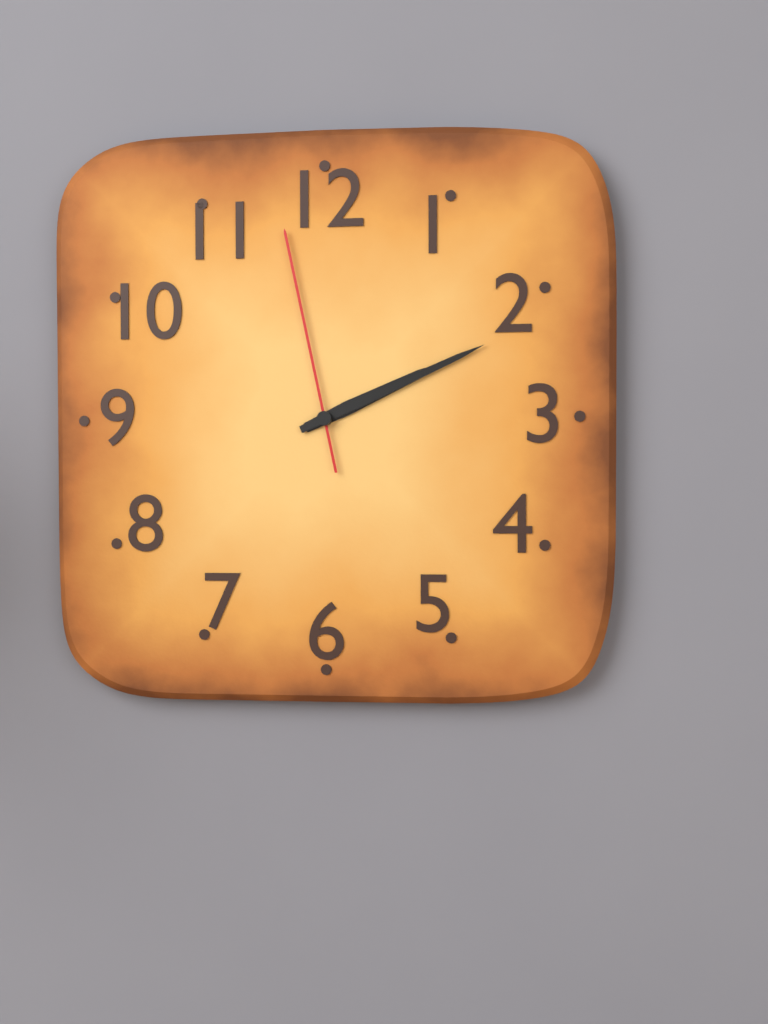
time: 2:11:58
